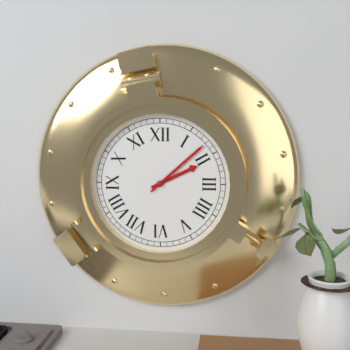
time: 2:08
